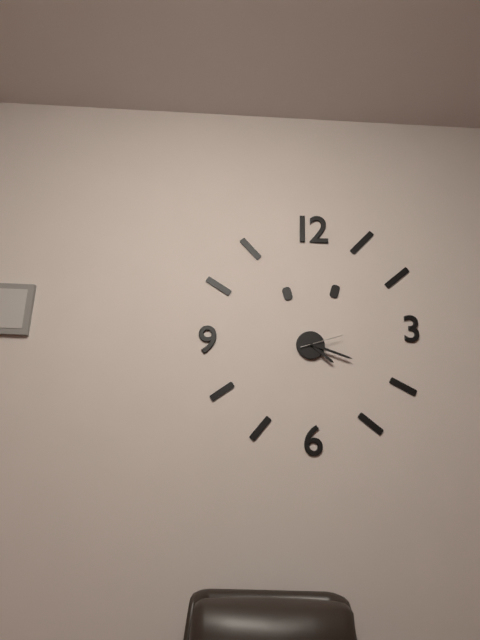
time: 4:18
